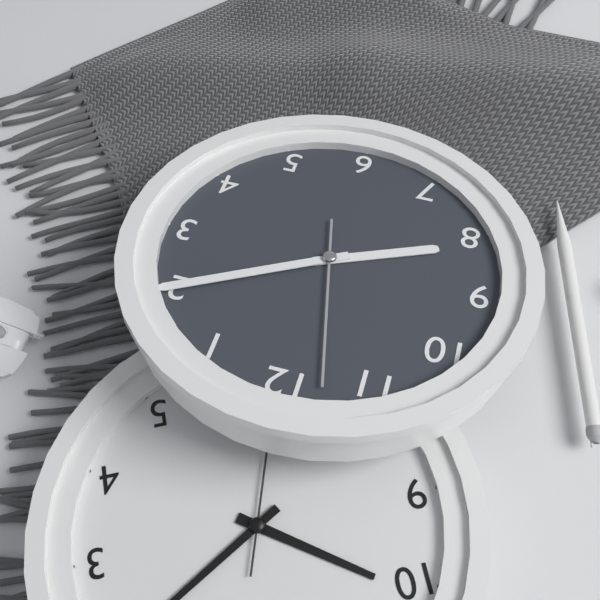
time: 8:10:58
